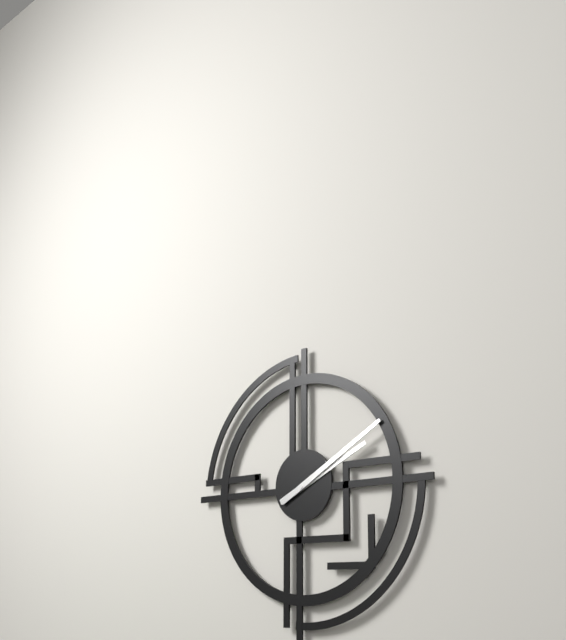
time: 2:10
